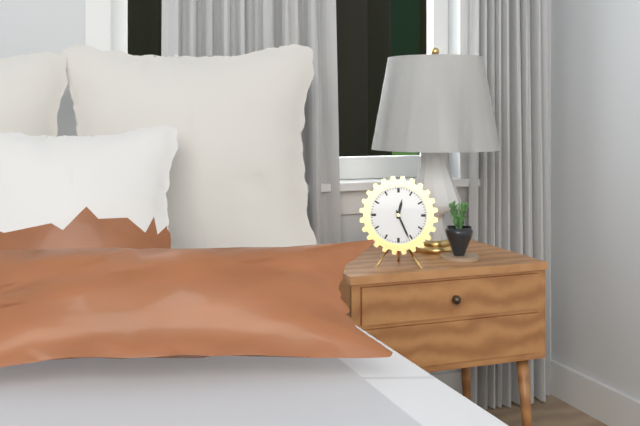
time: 12:26
